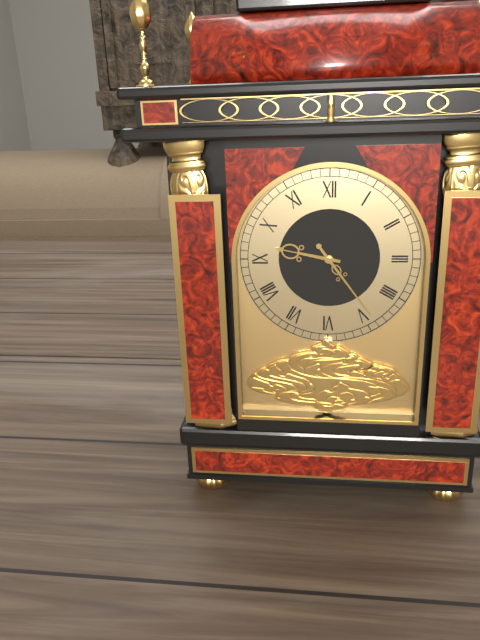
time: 9:24
